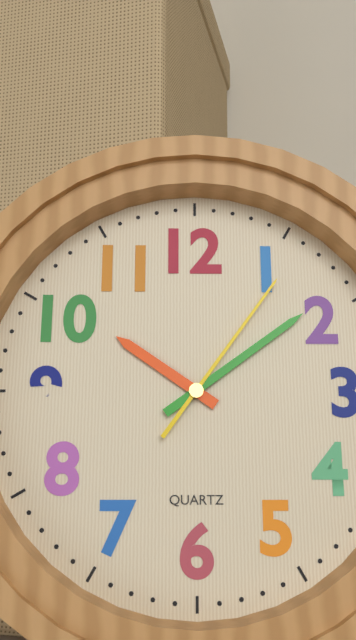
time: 10:09:06
